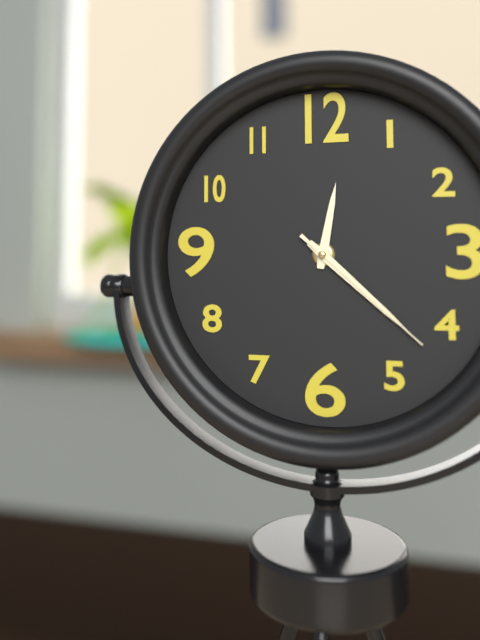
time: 12:22:22
